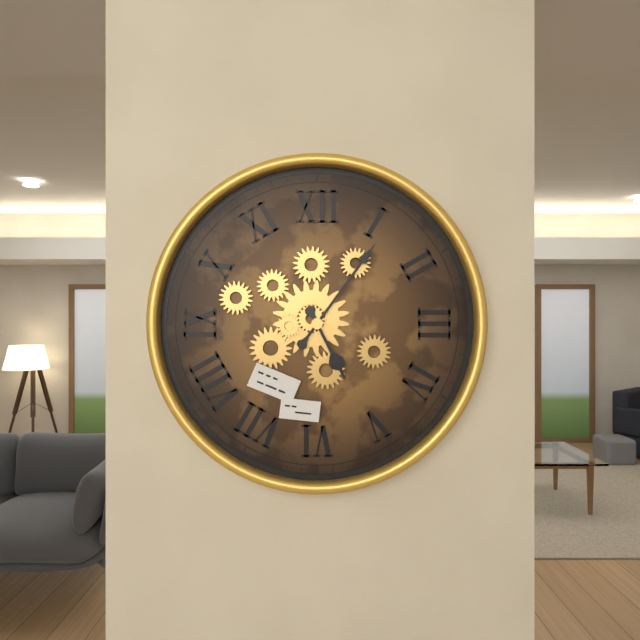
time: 5:06
